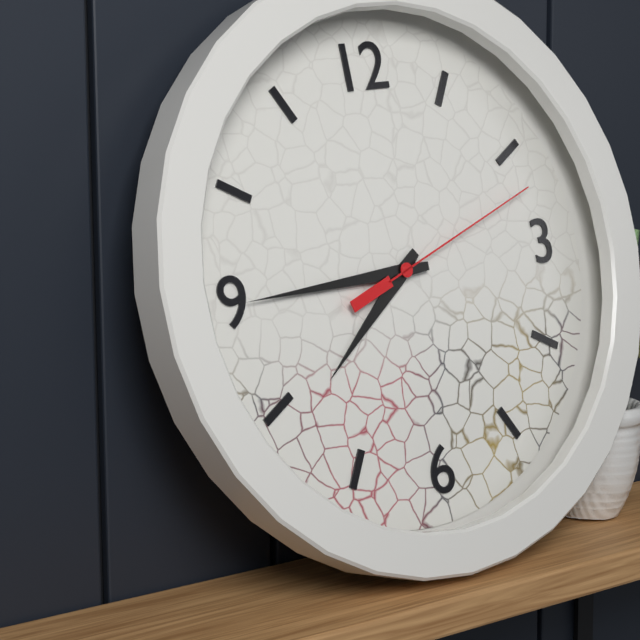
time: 7:45:12
